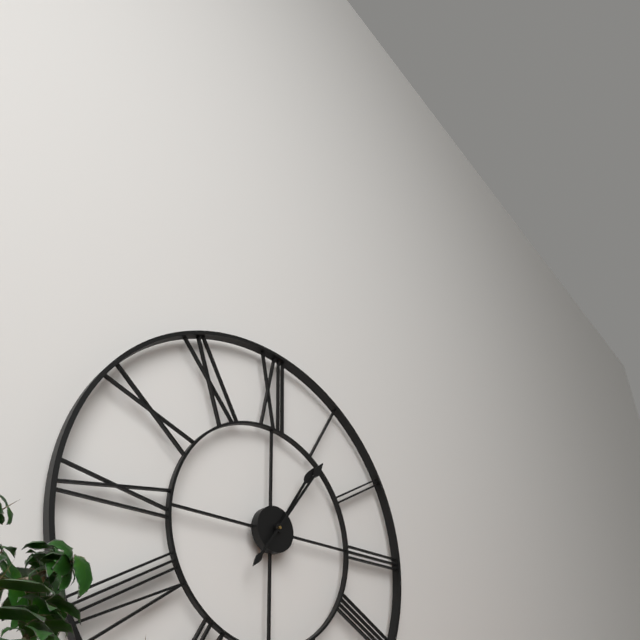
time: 1:06
